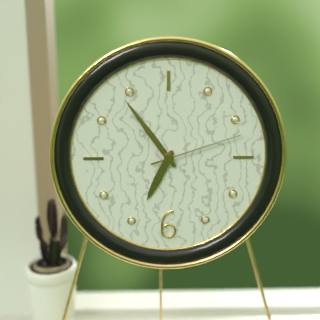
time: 6:54:12
